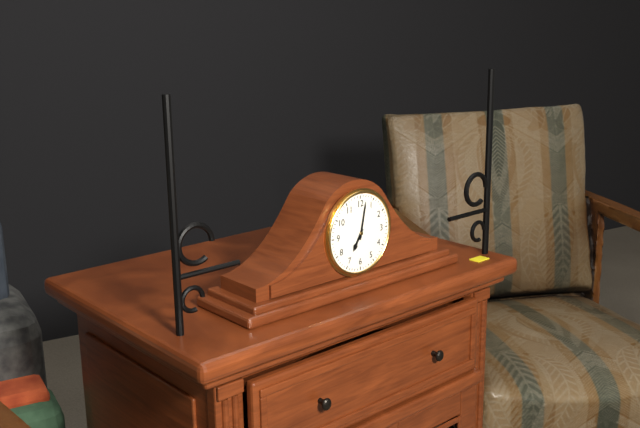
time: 7:02
